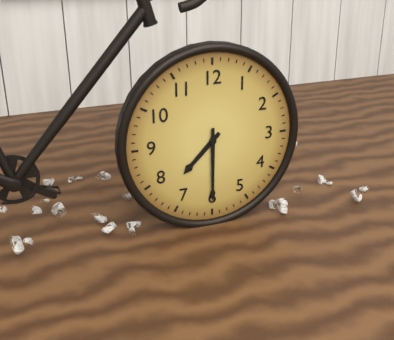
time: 7:30
